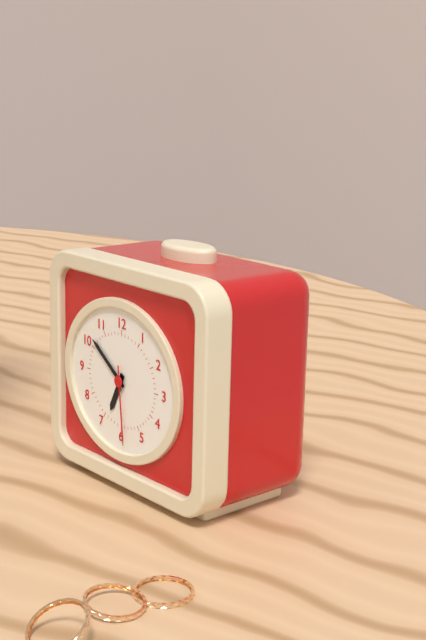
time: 6:51:29
